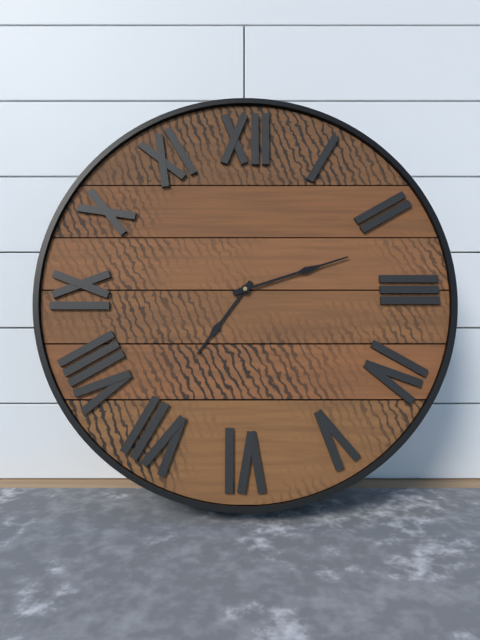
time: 7:12
